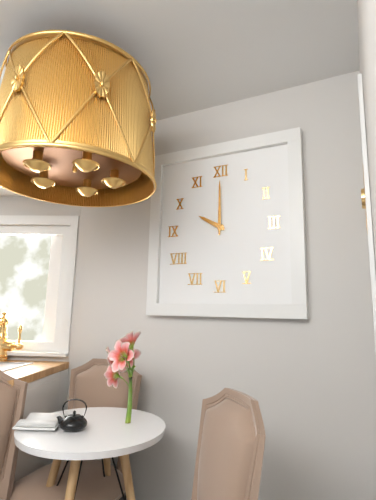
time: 10:00
